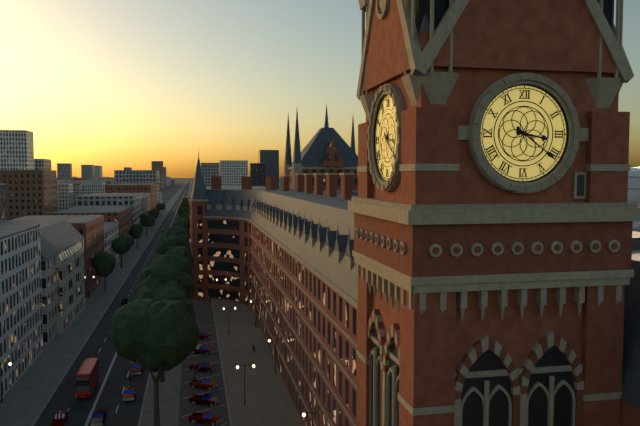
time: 3:21
